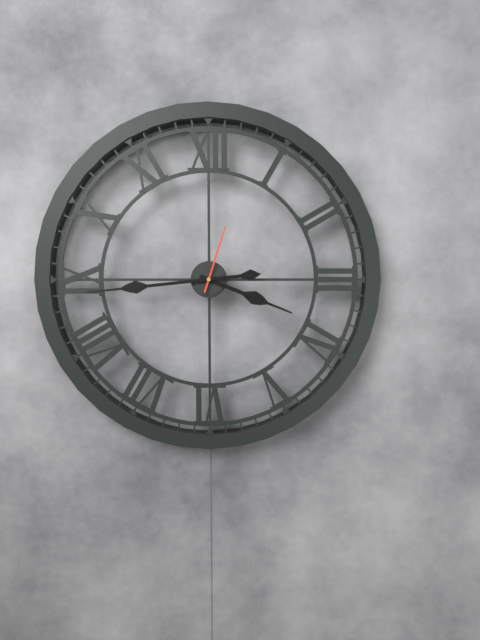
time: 3:44:03
